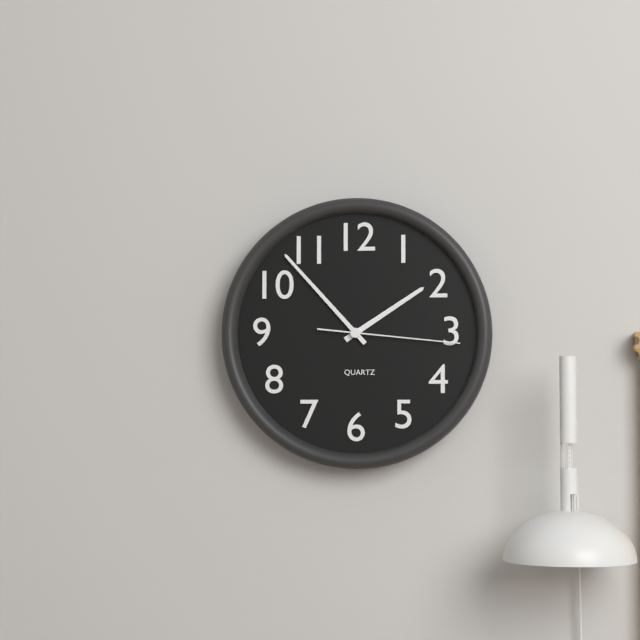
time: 1:53:16
